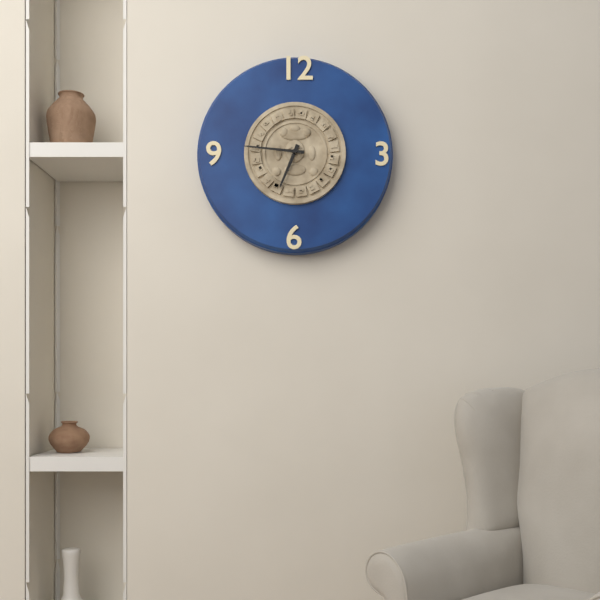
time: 6:46
